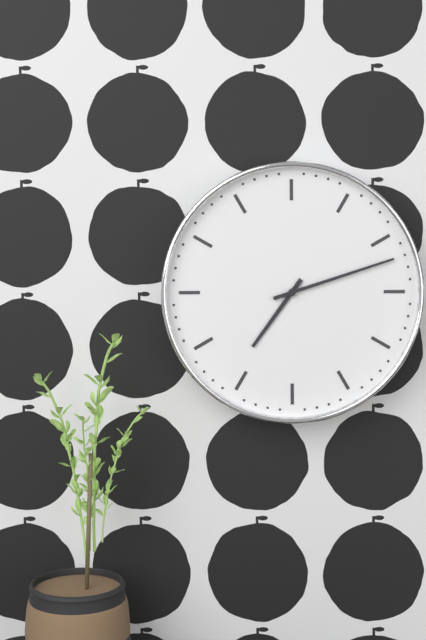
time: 7:12
